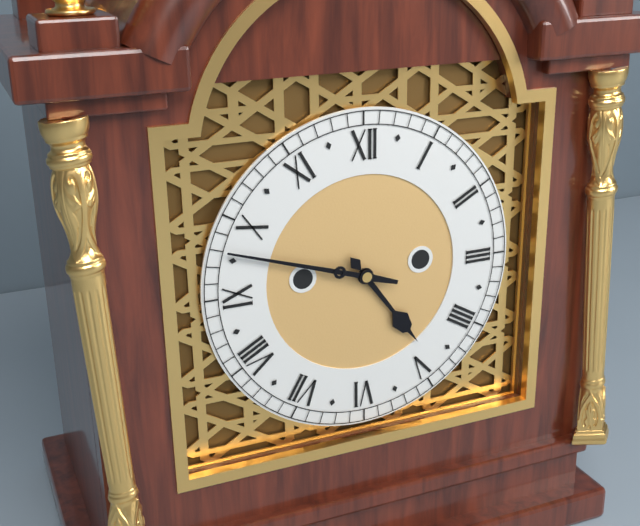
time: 4:48
